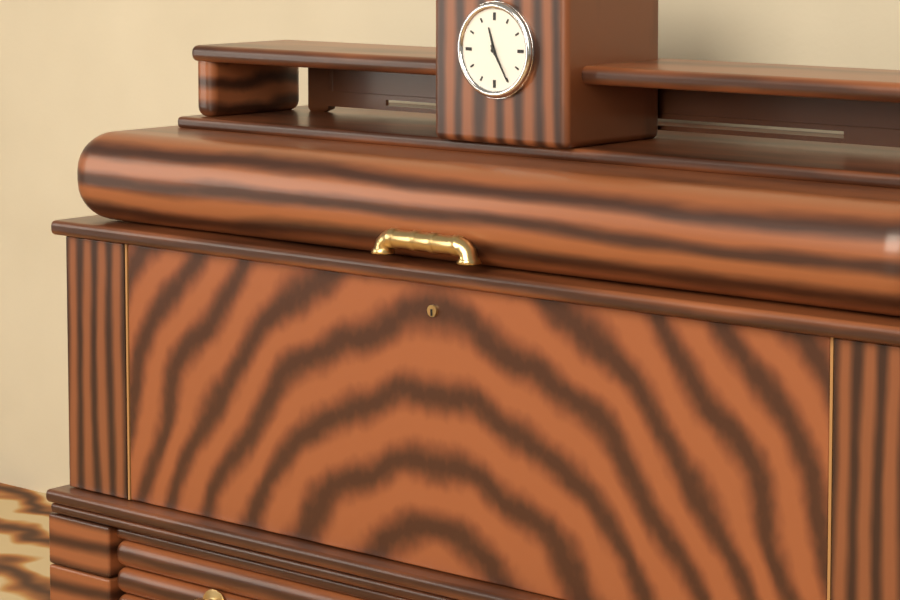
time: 11:25
